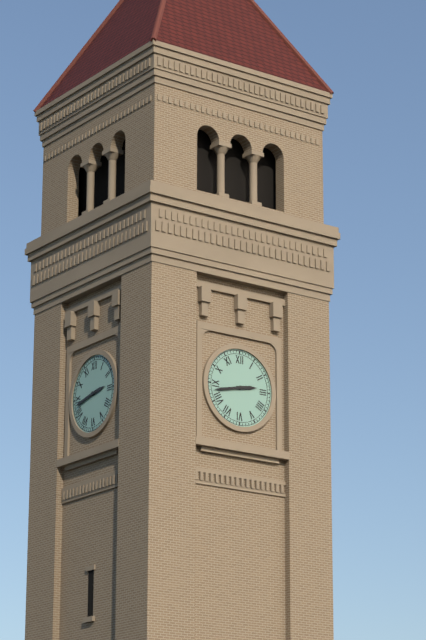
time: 2:43
